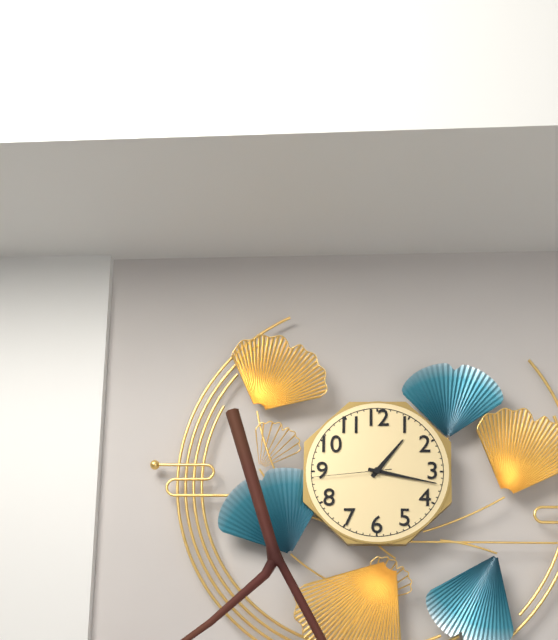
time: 1:17:44
